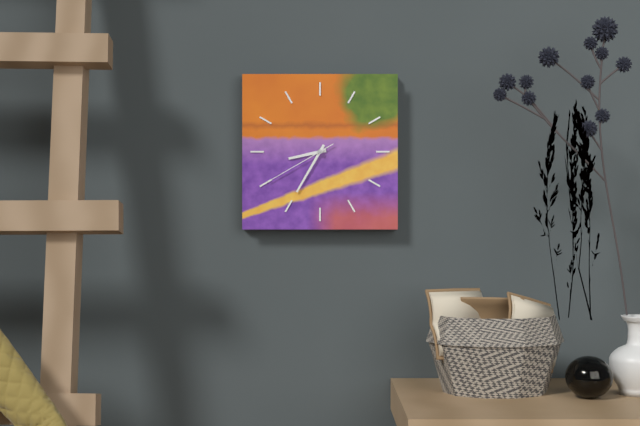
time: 8:35:40
